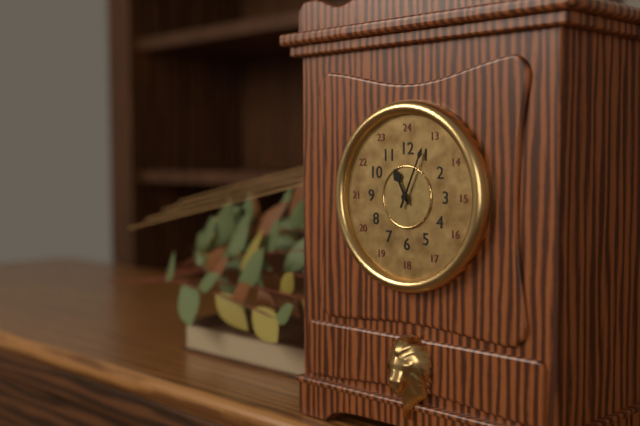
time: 11:04
